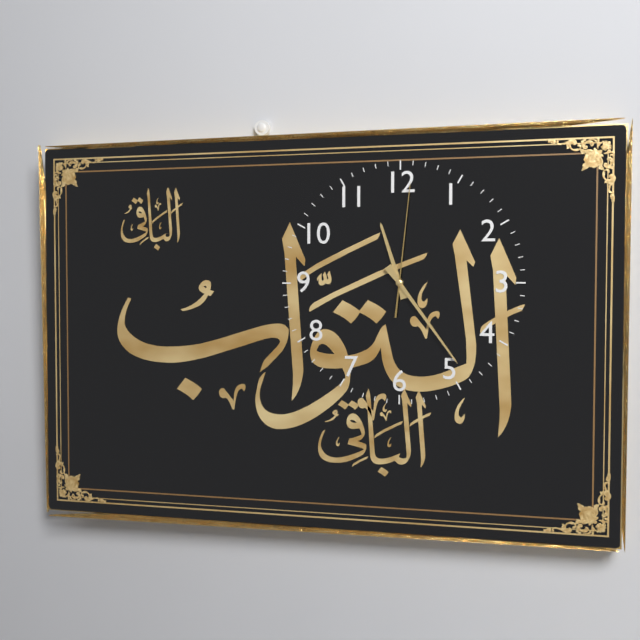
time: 11:24:01
